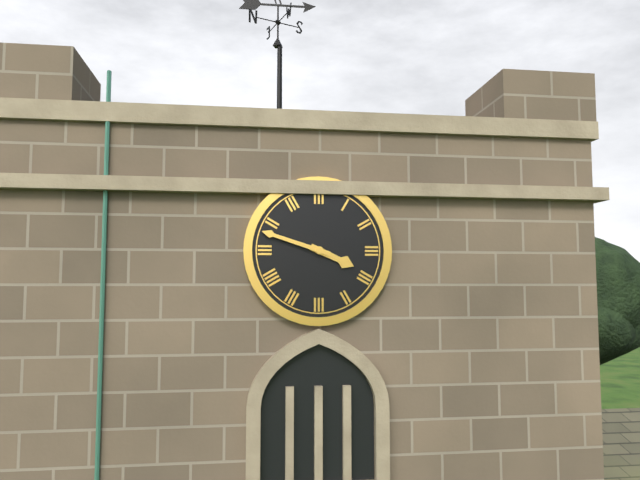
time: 3:48
